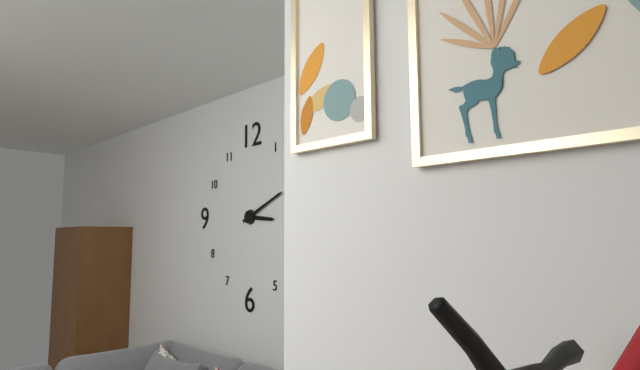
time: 3:11
